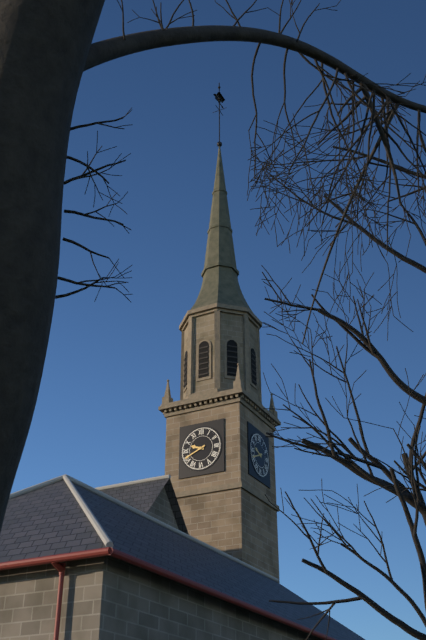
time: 9:41
